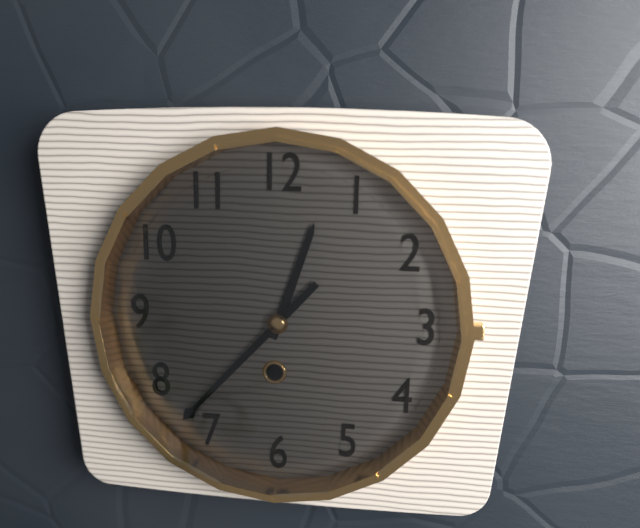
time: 12:37
